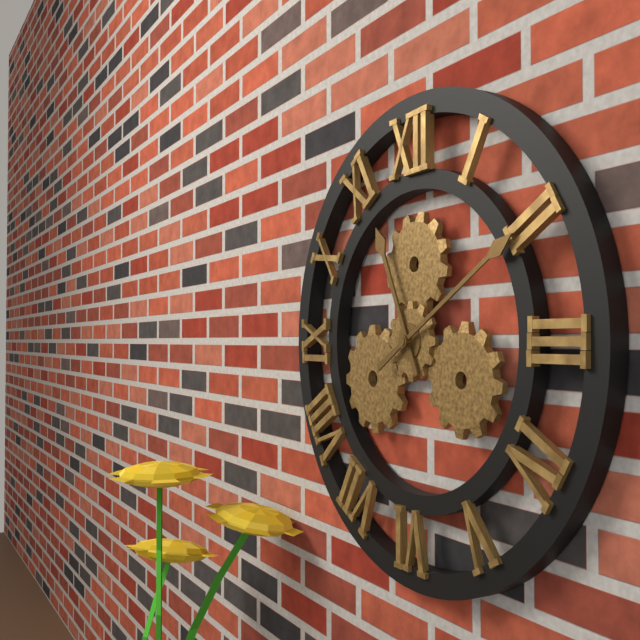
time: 11:10
